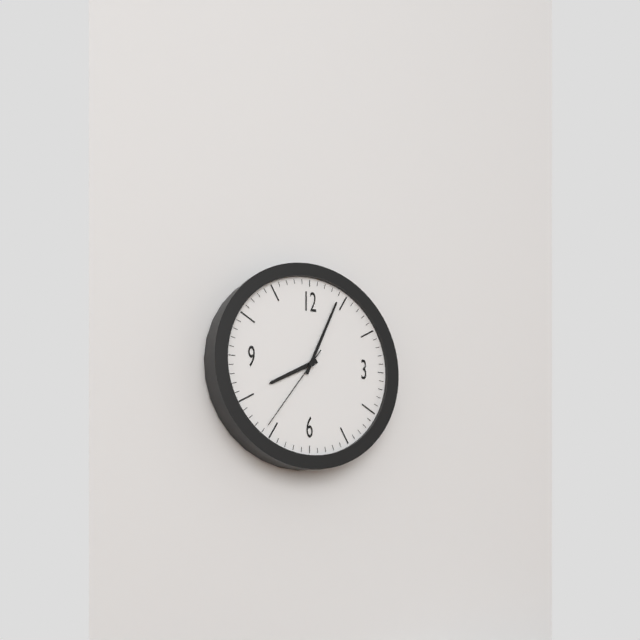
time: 8:04:36
